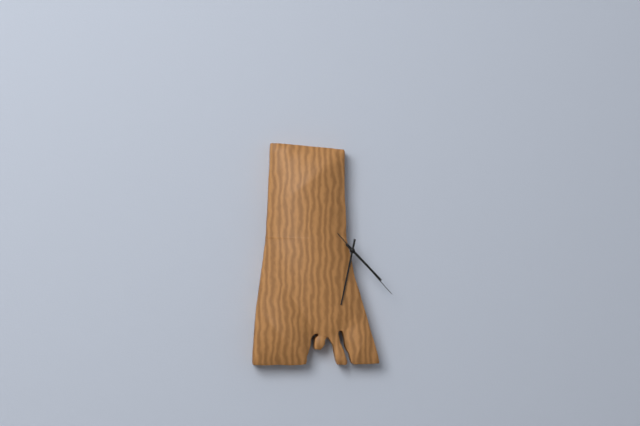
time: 4:32:23
